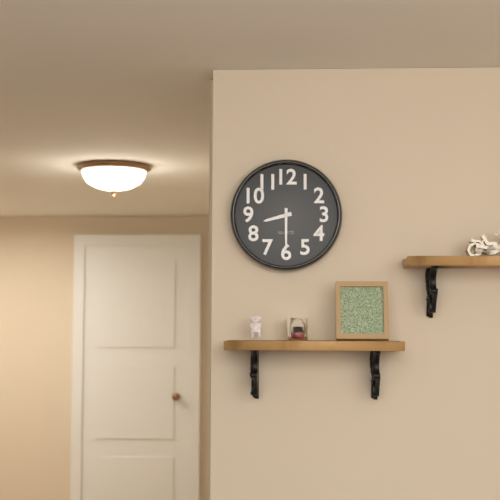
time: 8:30
